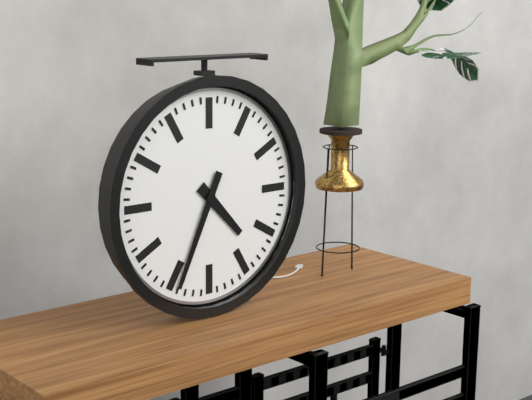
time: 4:34
